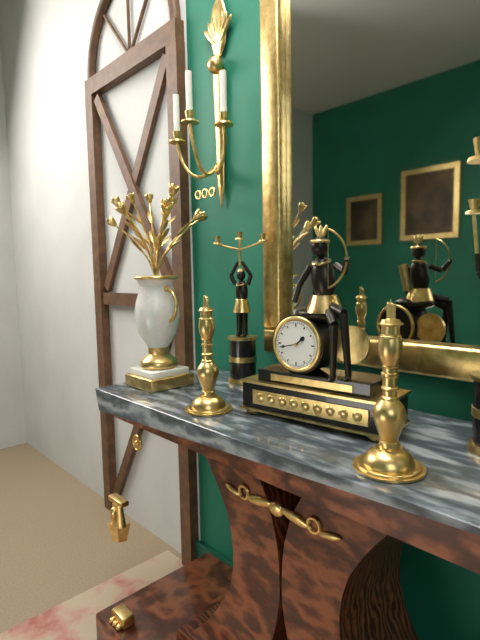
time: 1:43
